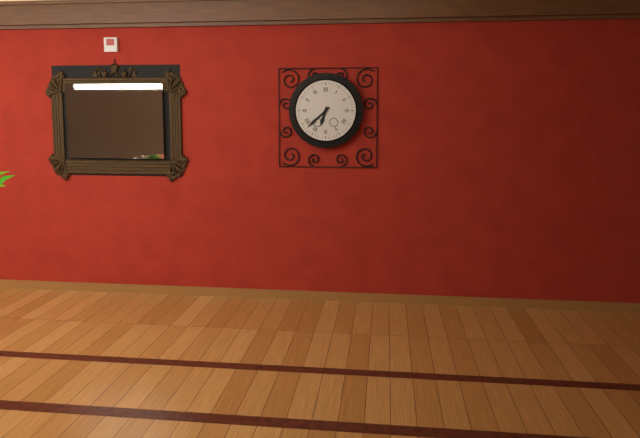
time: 6:38
